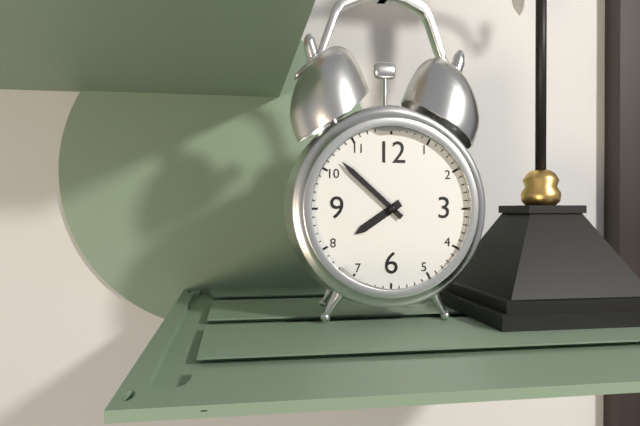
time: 7:52
